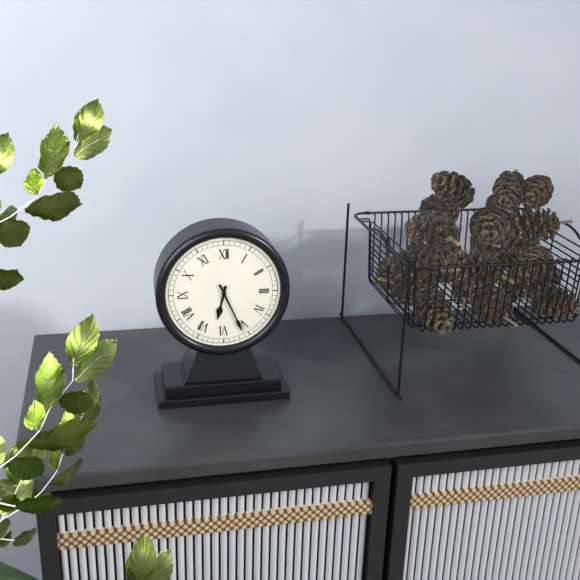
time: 6:26
